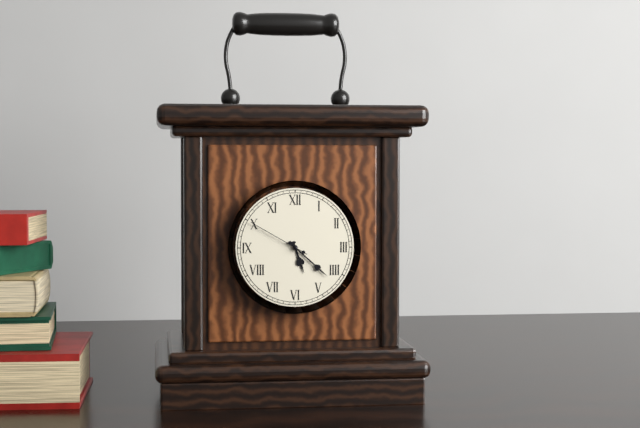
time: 5:22:50
